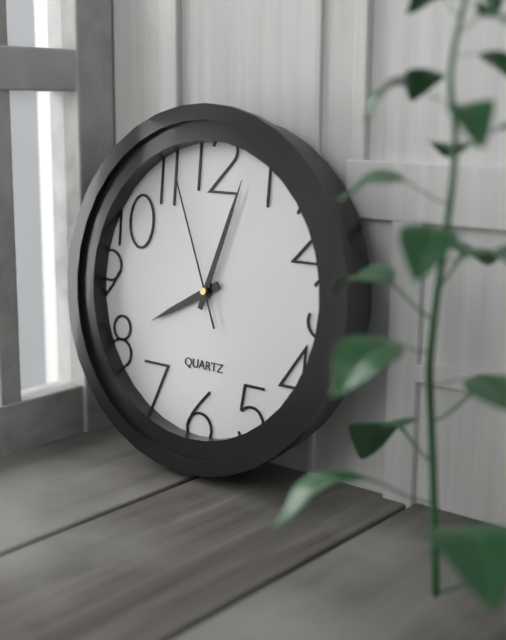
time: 8:03:56
